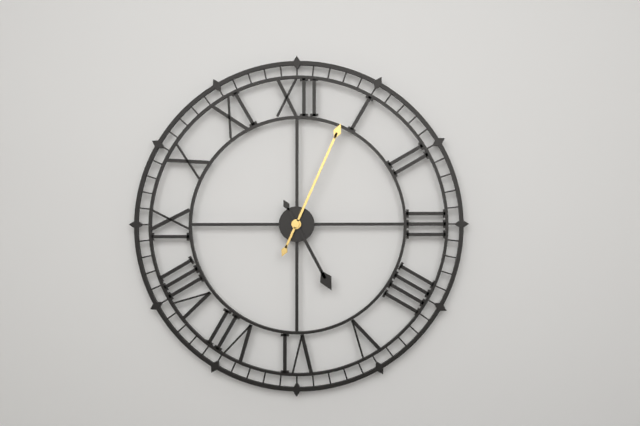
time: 5:04
